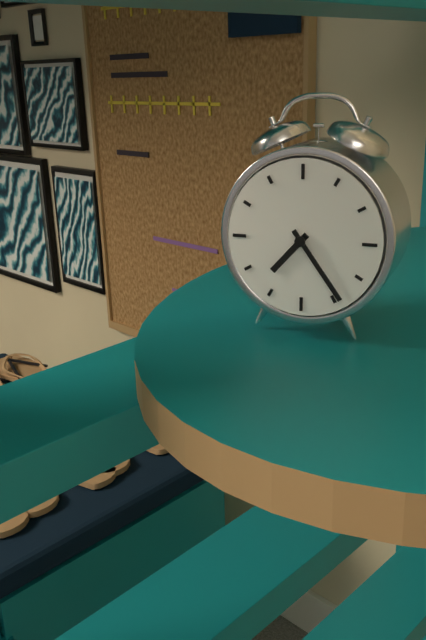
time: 7:24
